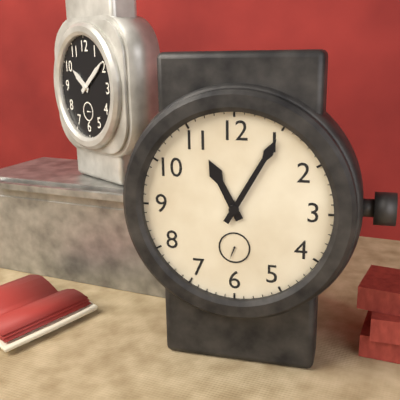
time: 11:05
